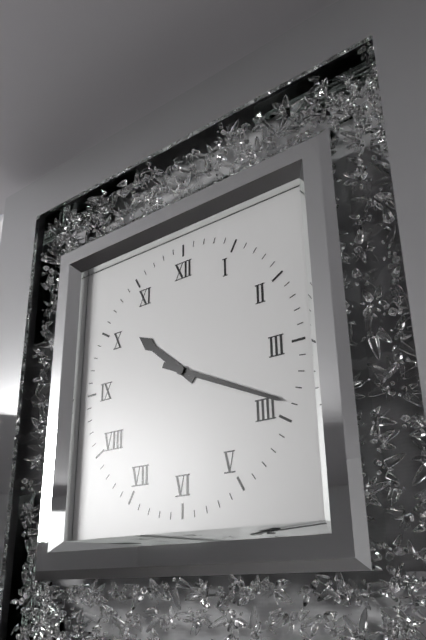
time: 10:19
